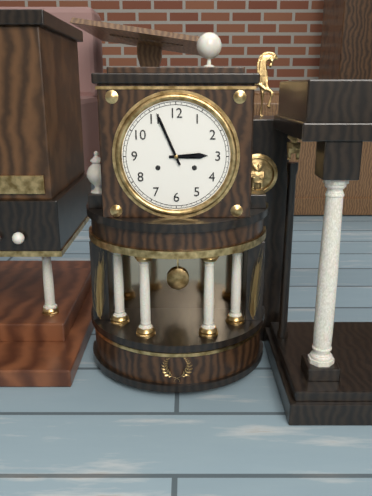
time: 2:56
